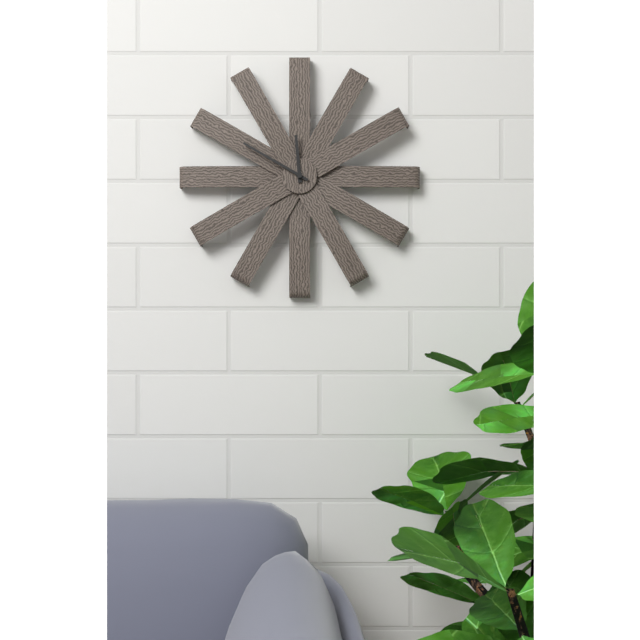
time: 11:50
